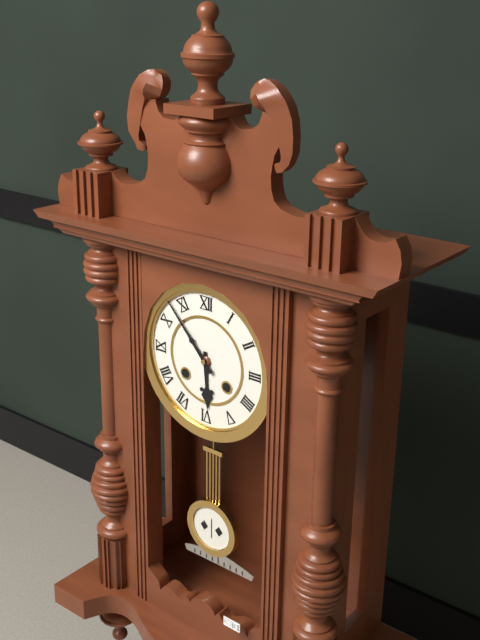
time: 5:53
